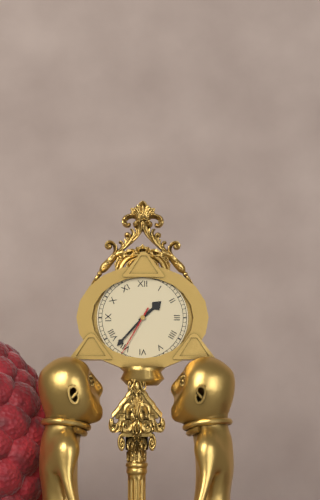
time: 1:37:35
